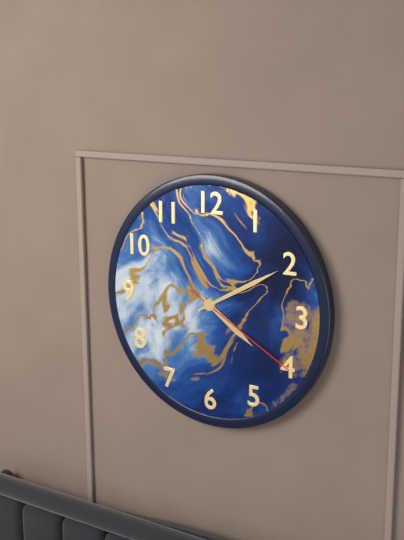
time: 4:10:20
